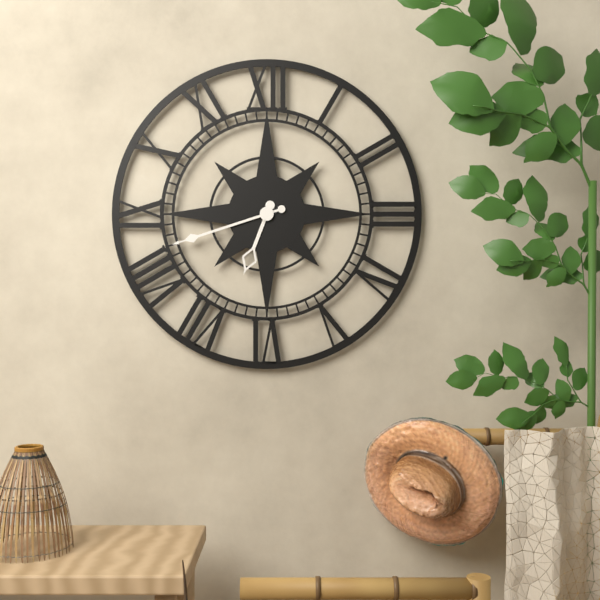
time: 6:42
